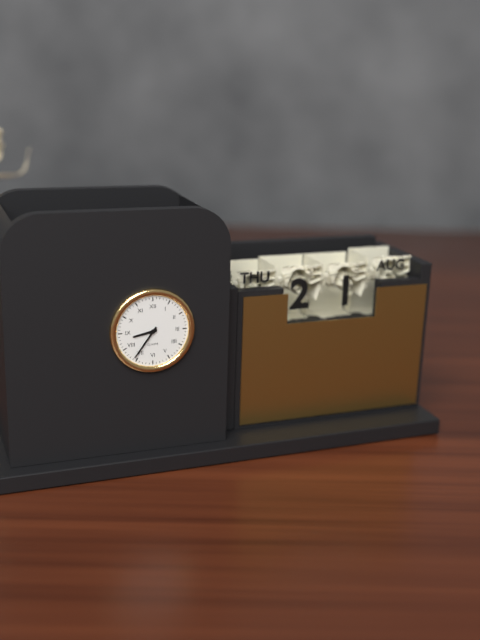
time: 8:36
